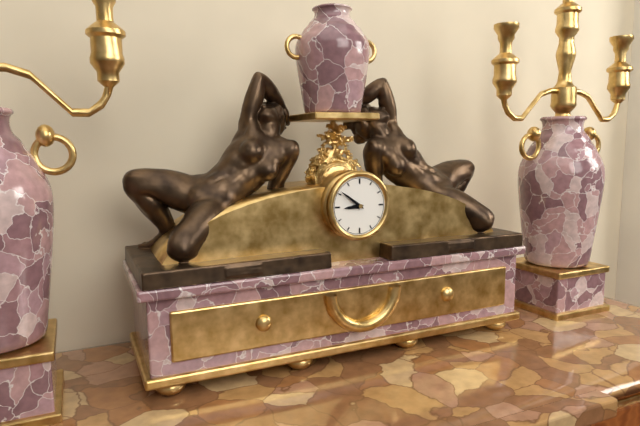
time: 8:51
